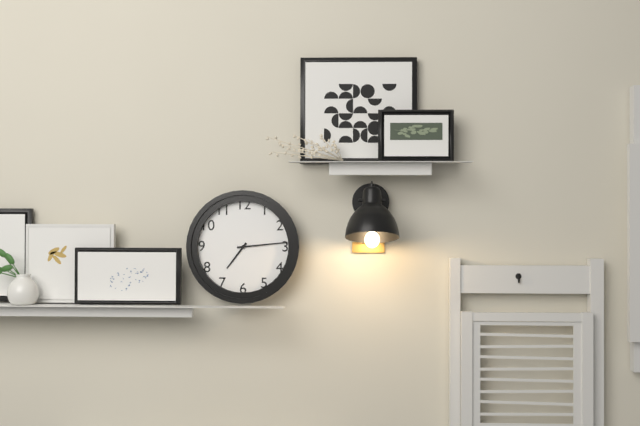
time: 7:14
